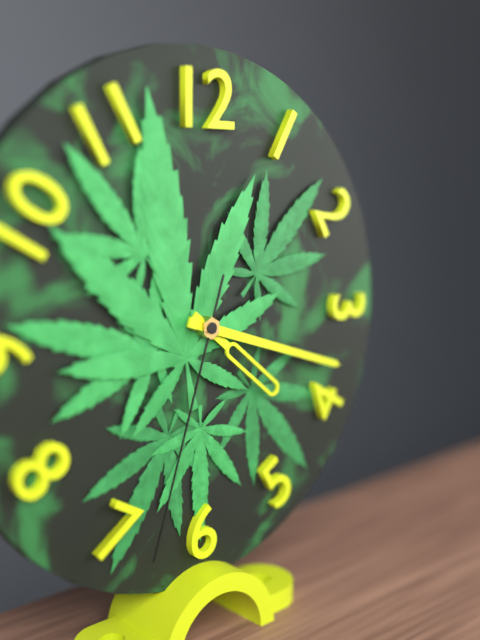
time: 4:18:33
